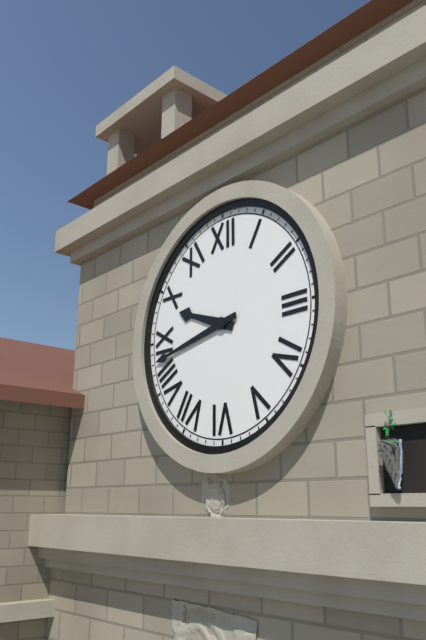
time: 9:43
